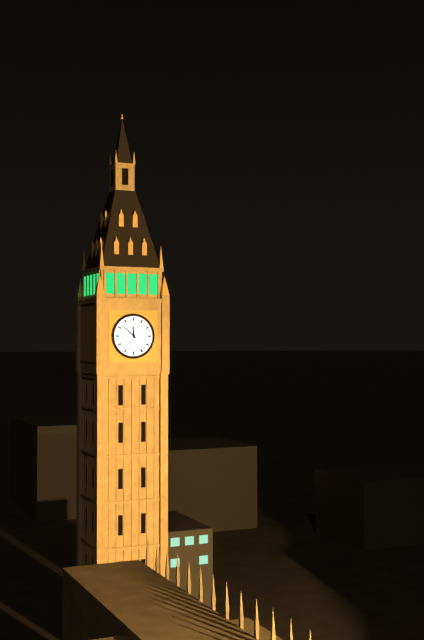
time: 11:52
